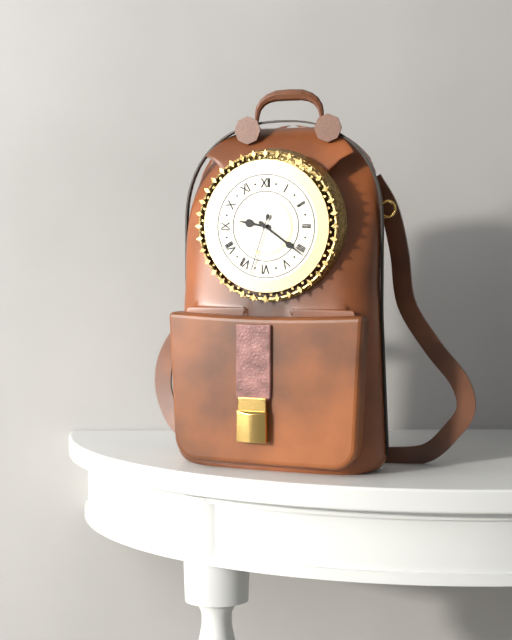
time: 9:21:33
